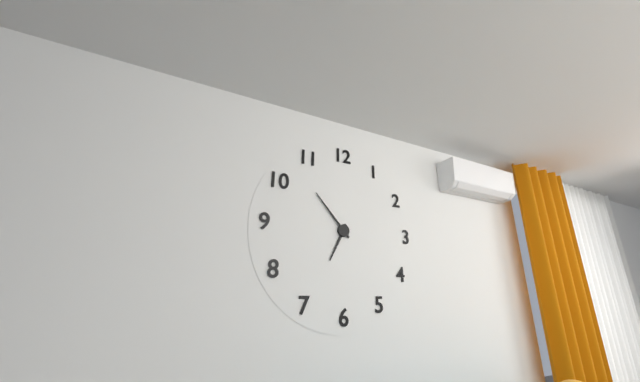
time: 6:53
